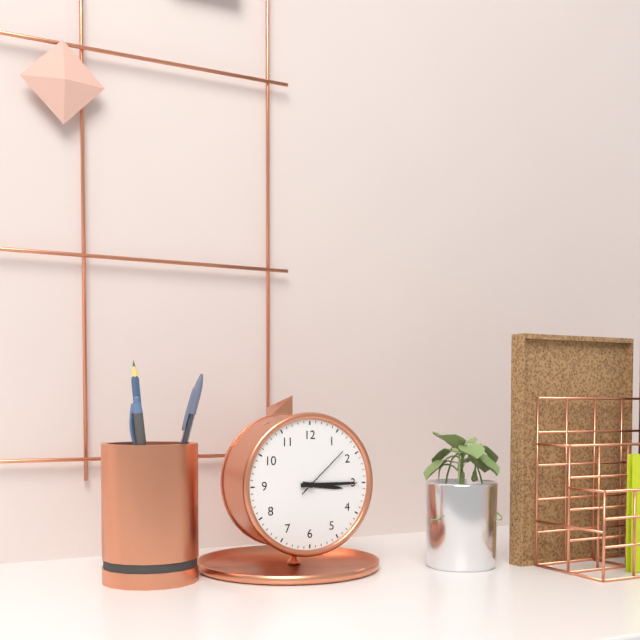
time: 3:15:08
